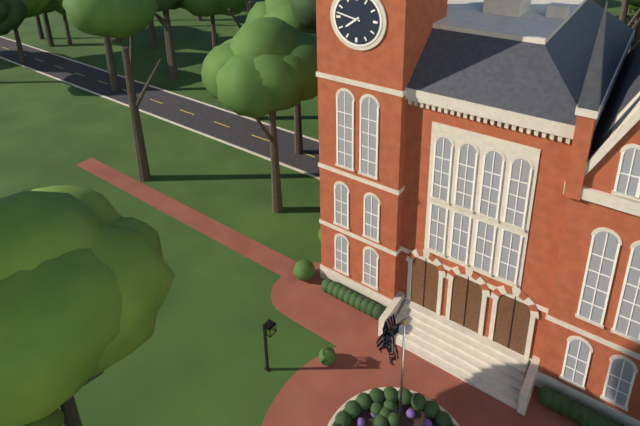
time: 7:47
